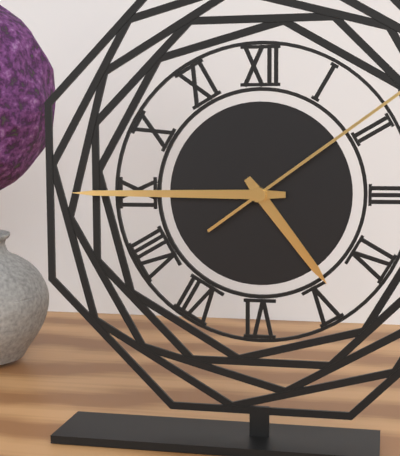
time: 4:45
